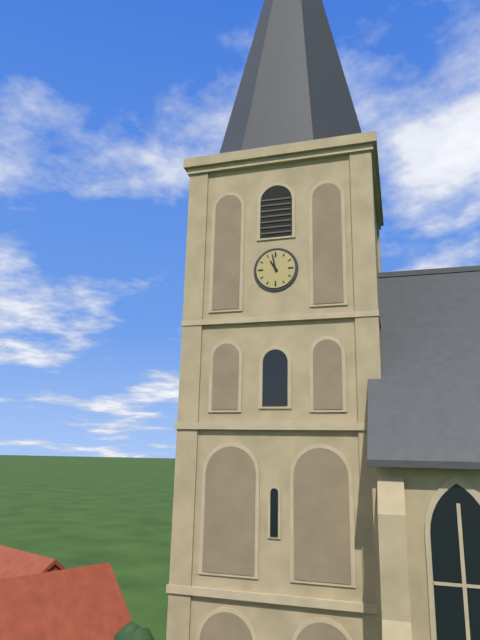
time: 10:58
